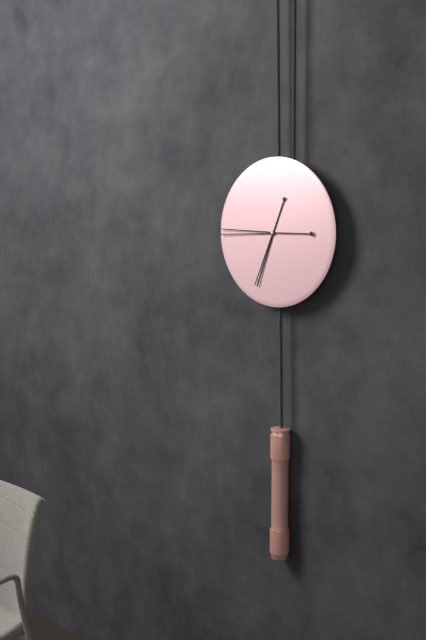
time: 6:45
